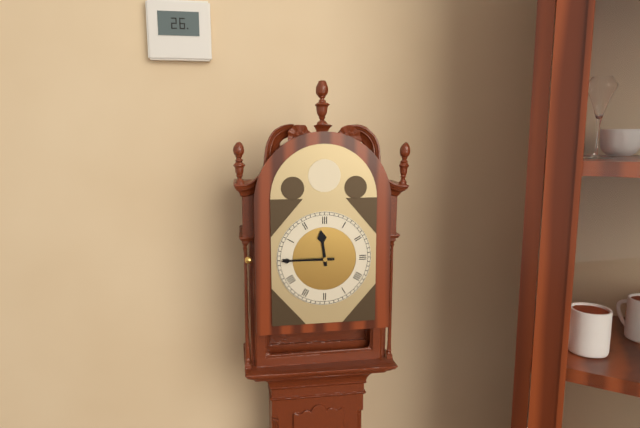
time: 11:45
